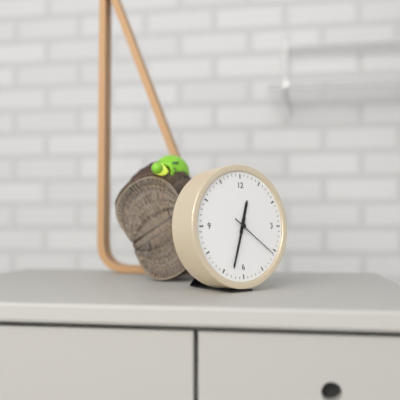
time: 12:33:21
